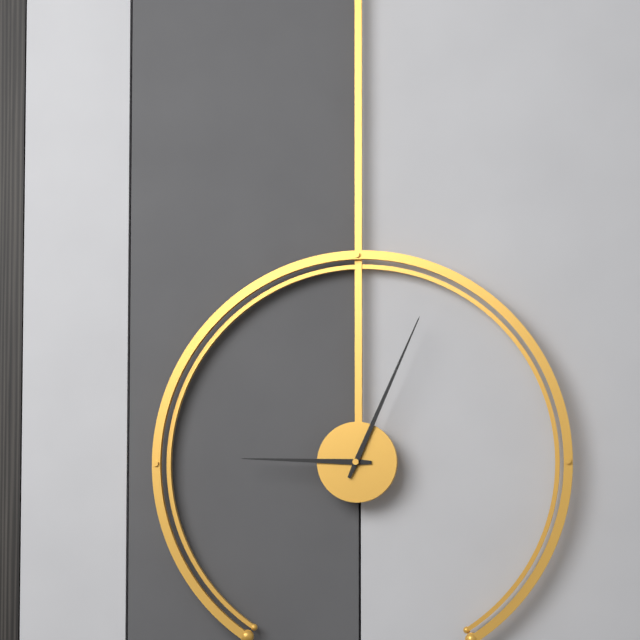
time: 9:04
